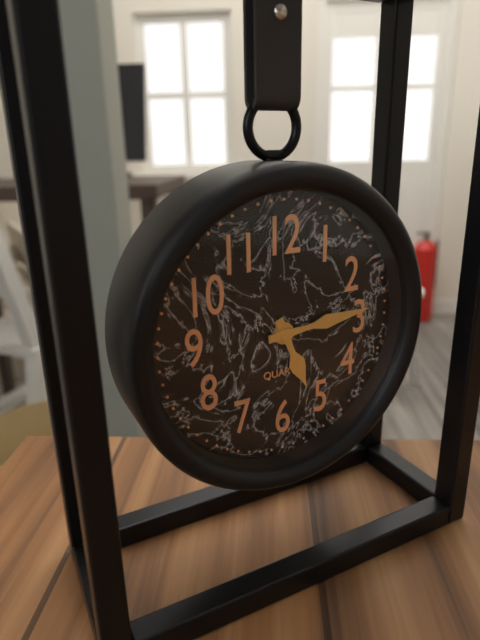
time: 5:14
